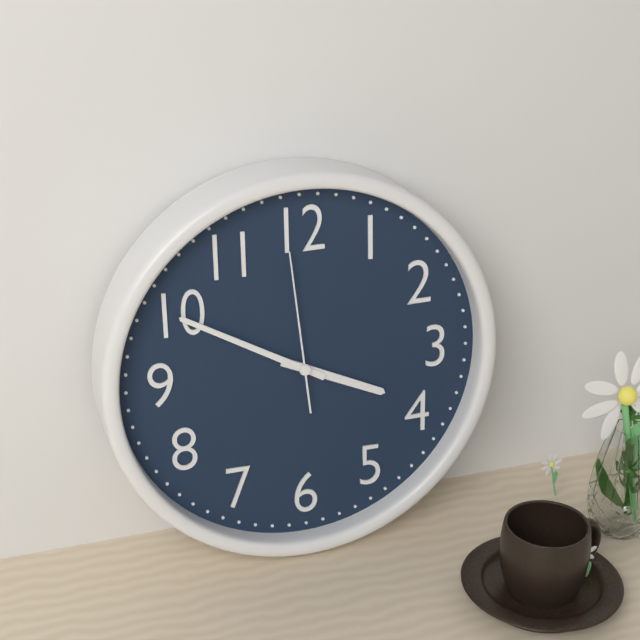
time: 3:50:59
